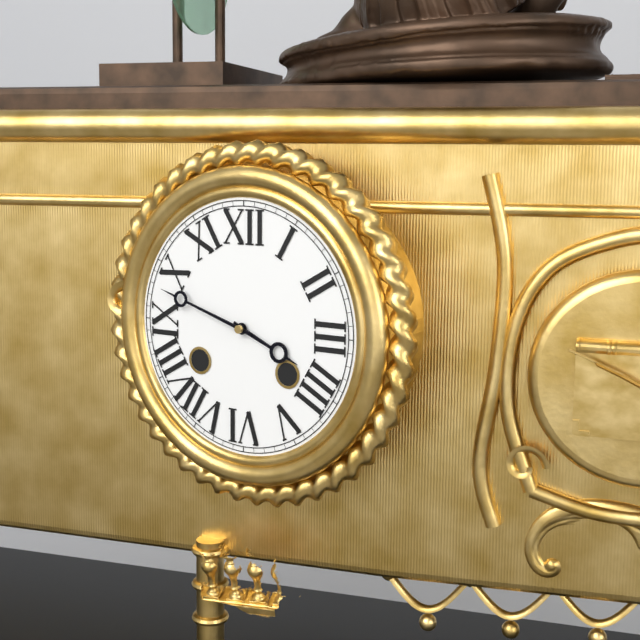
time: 3:48
